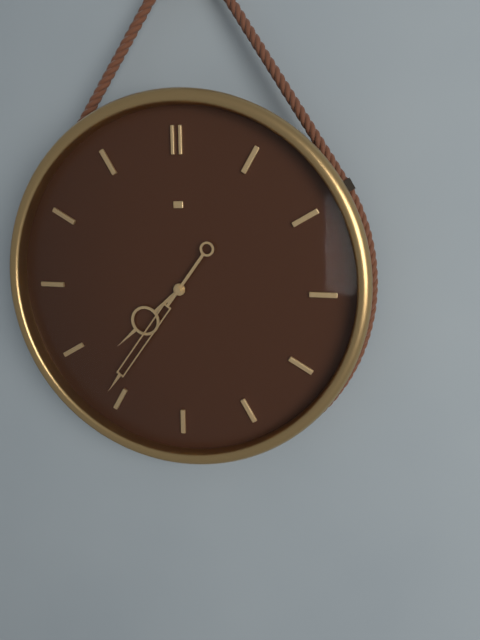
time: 7:36
